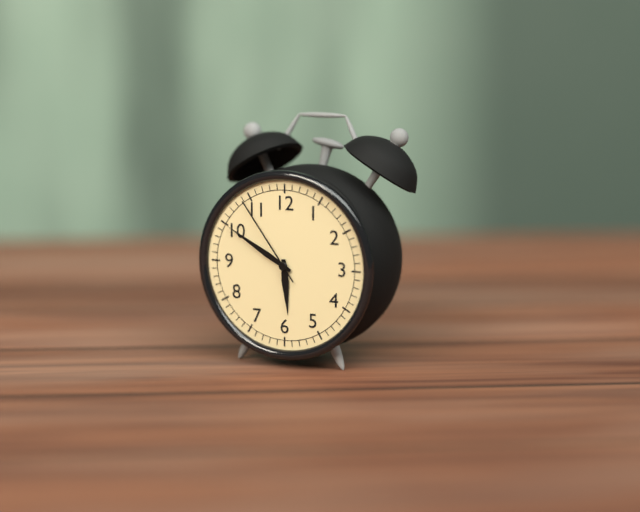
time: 5:50:54
